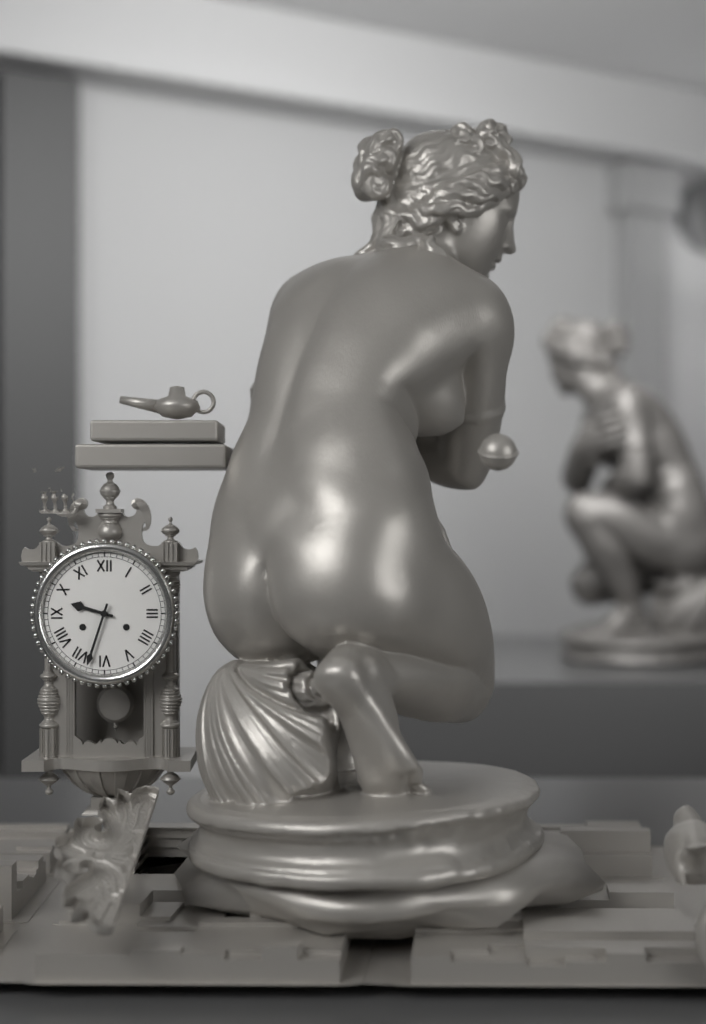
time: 9:33
